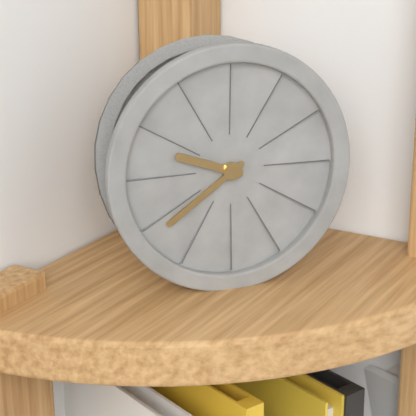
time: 9:39
